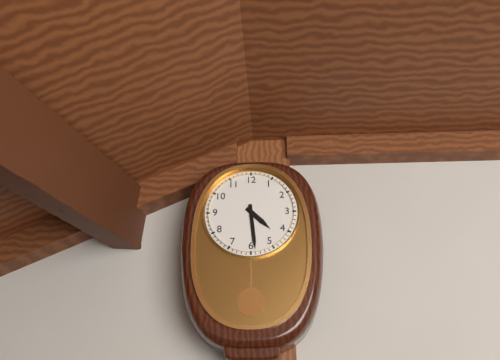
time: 4:29
